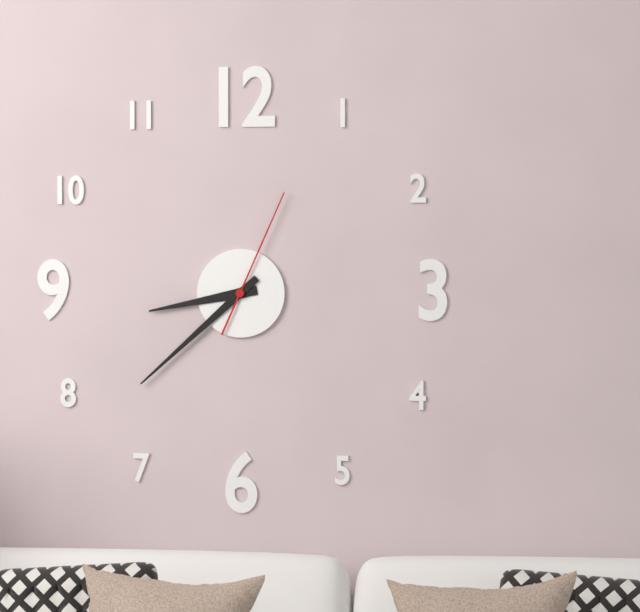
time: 8:38:04
